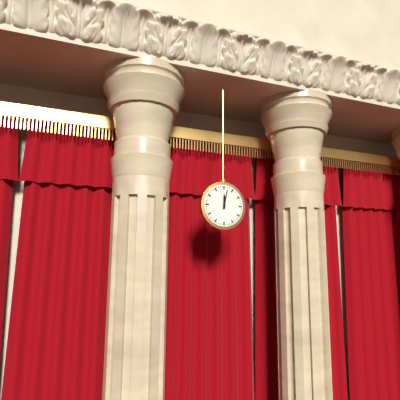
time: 12:02
